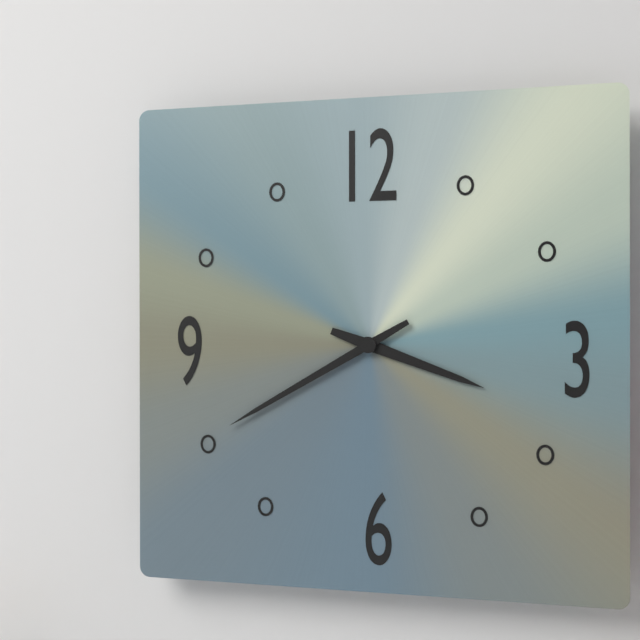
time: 3:40
